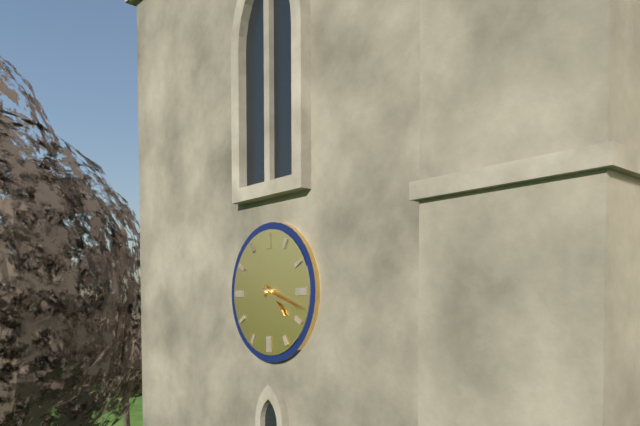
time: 4:18
